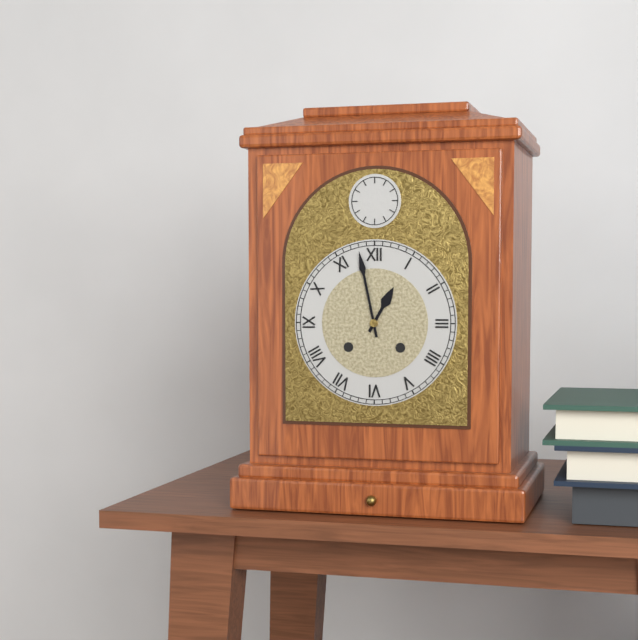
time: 12:58
